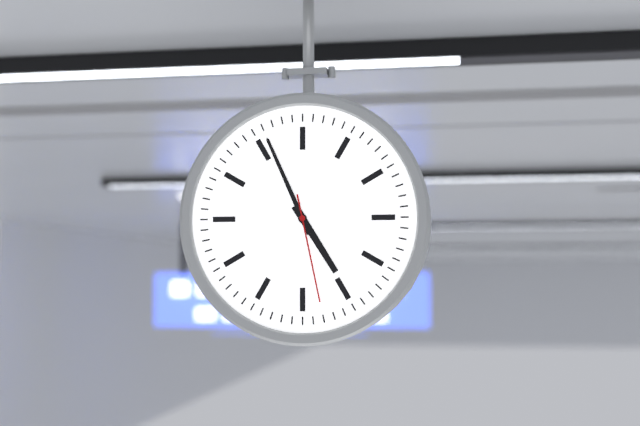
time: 4:56:28
